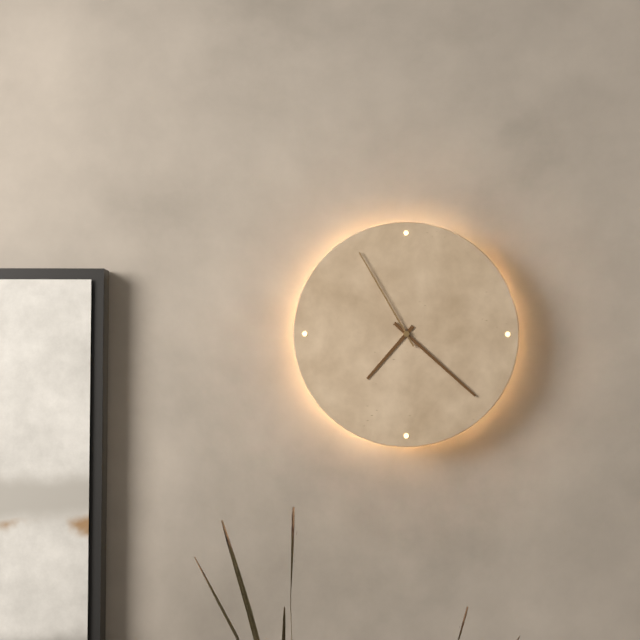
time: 7:22:55
